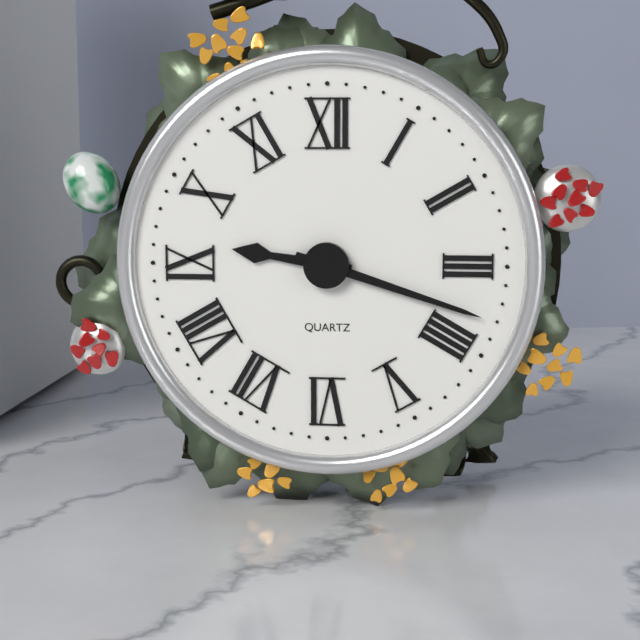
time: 9:18
